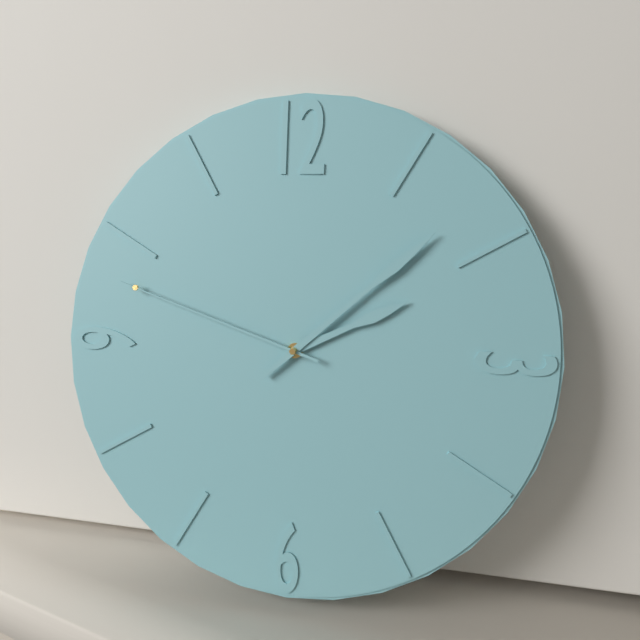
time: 2:08:48
